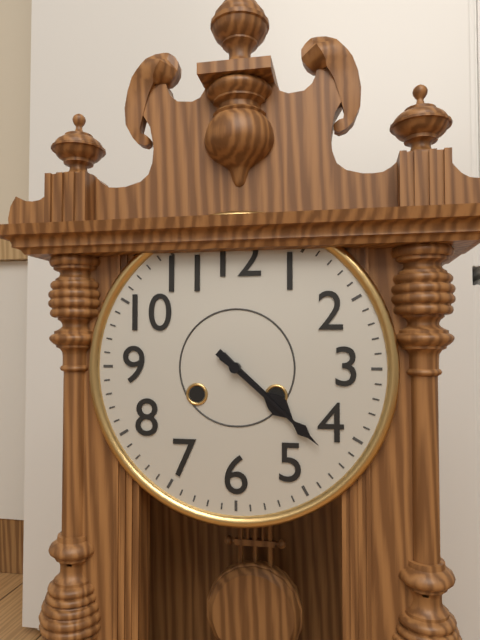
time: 4:22
